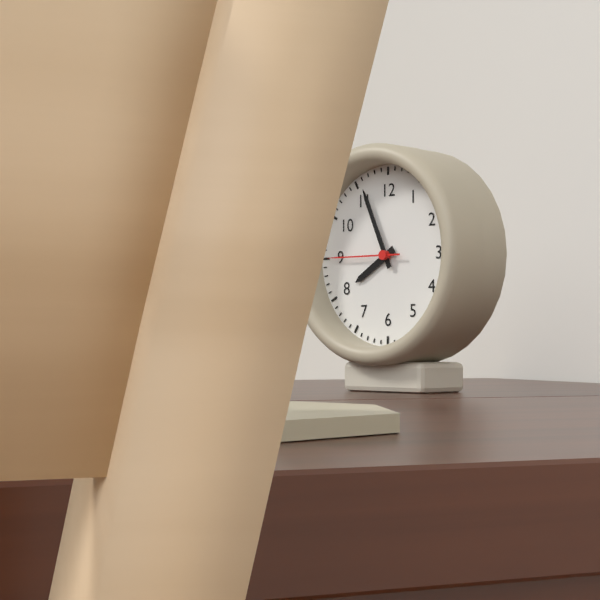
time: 7:56:45
